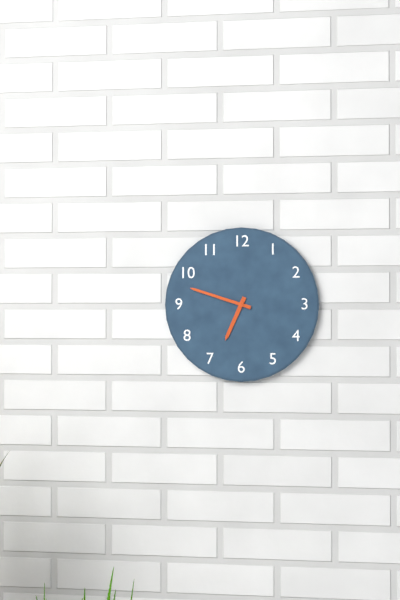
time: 6:48
